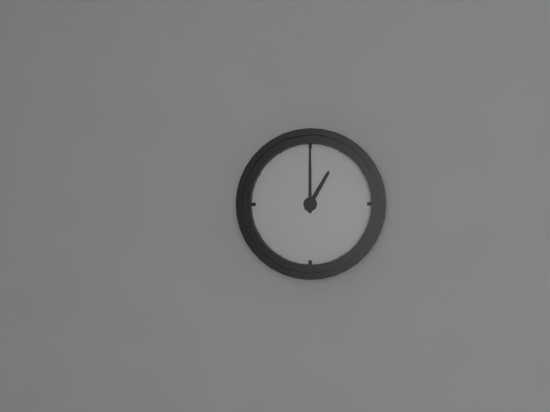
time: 1:00
